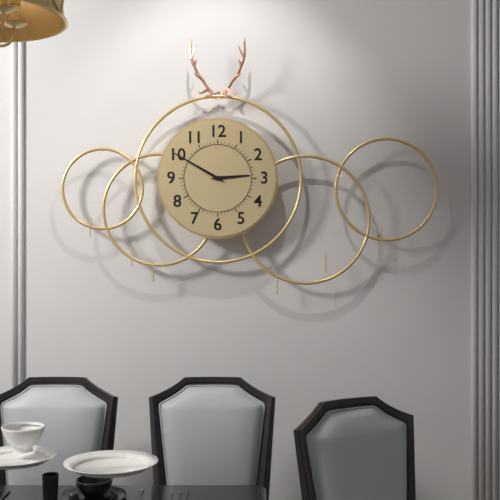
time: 2:50
